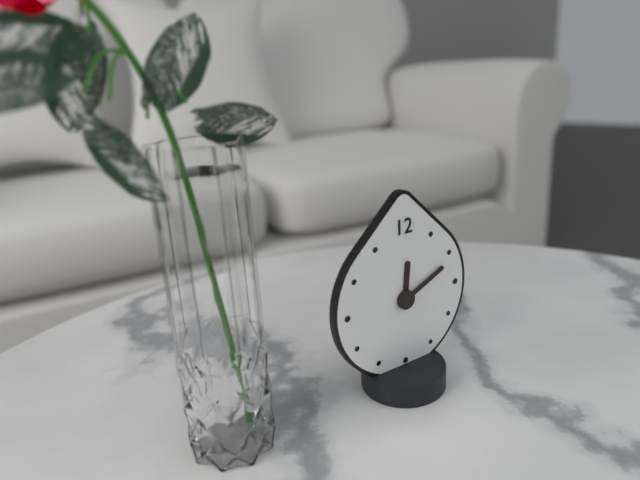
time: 12:11
